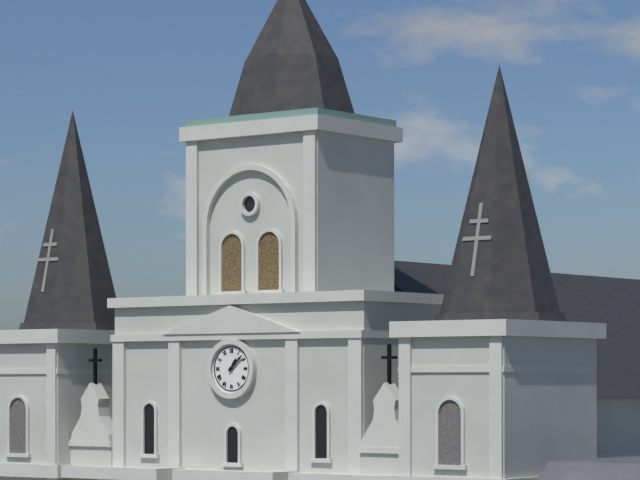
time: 1:08
